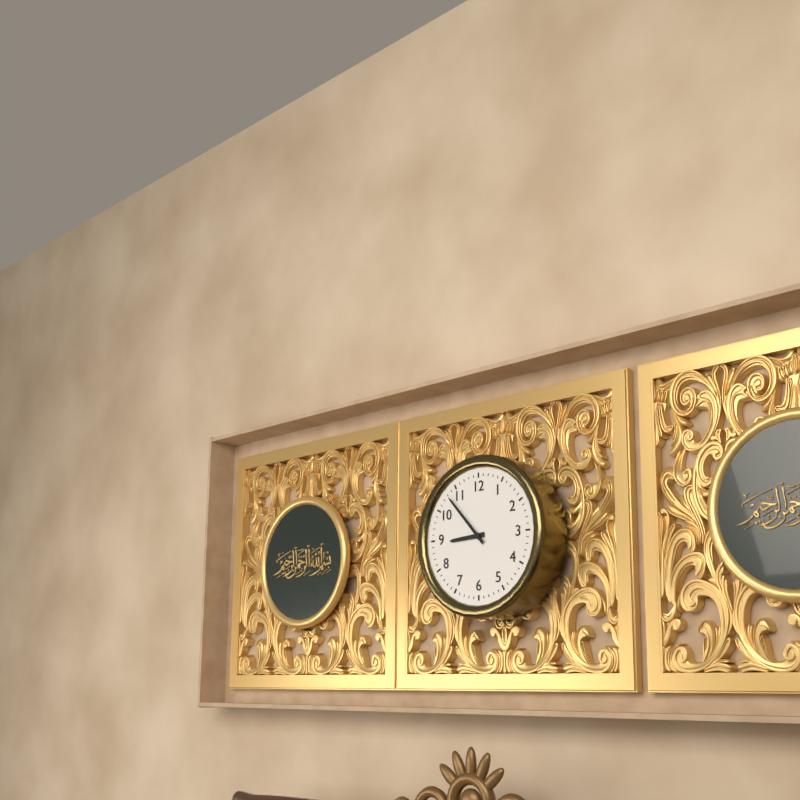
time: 8:53
